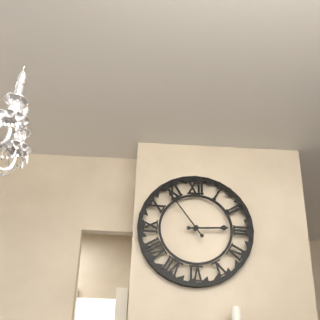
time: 2:54
